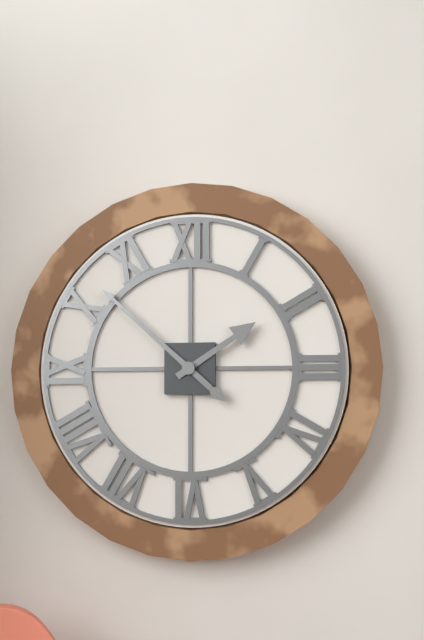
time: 1:52
